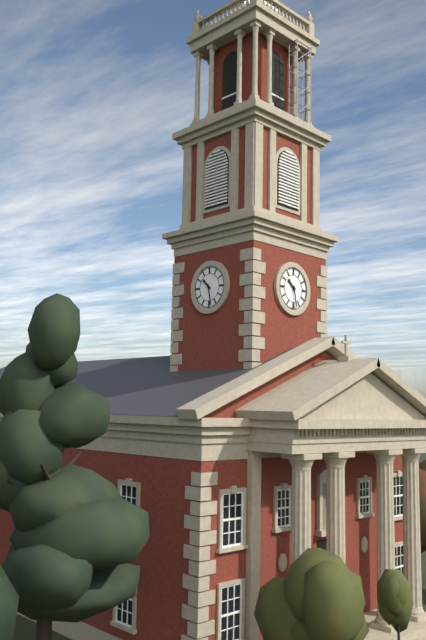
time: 10:28
